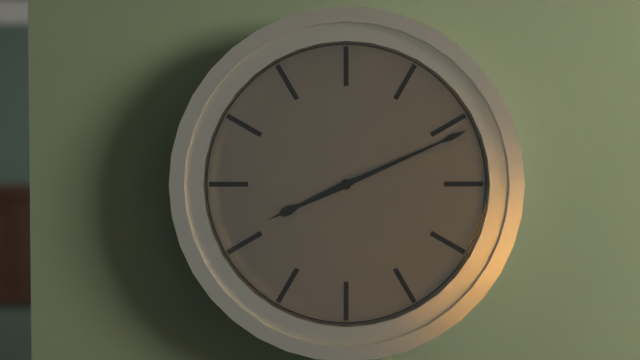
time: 8:11
